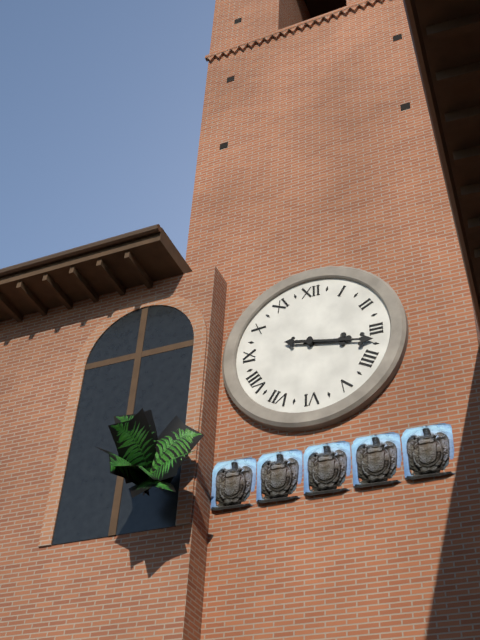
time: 3:17
